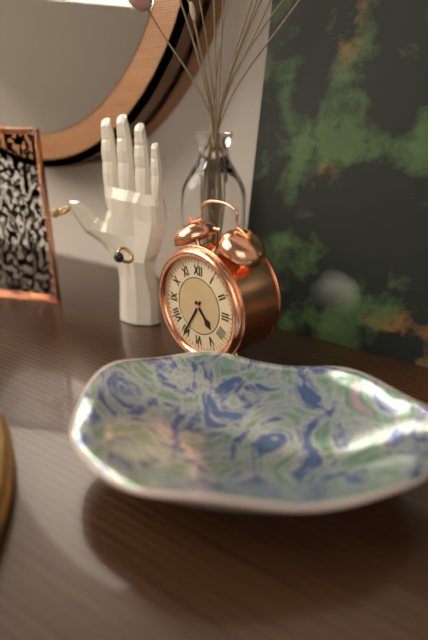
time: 4:35
